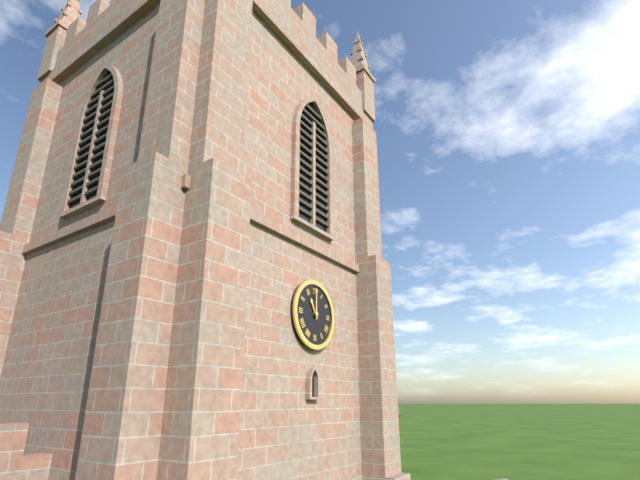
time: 11:00
